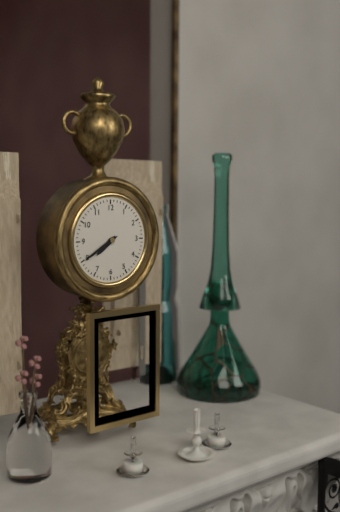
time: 7:40
